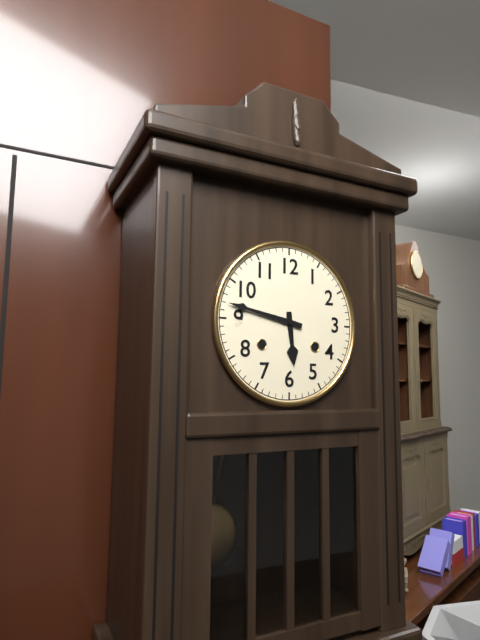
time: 5:47
